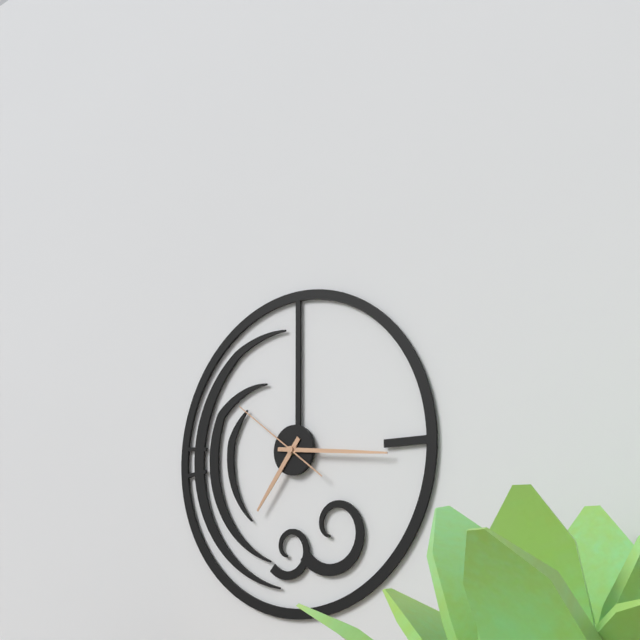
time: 7:16:51
